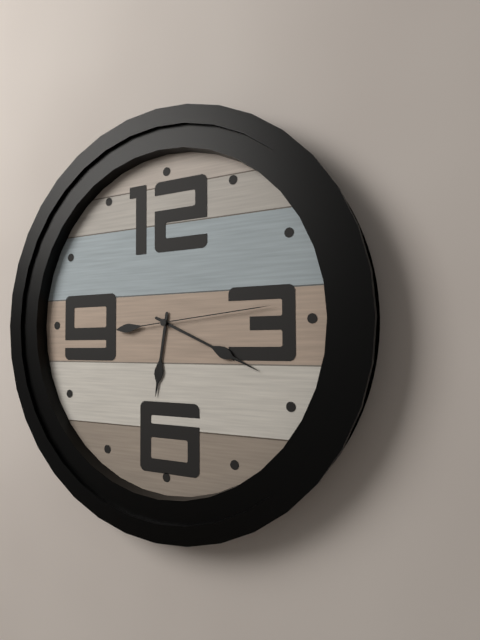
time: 6:19:14
